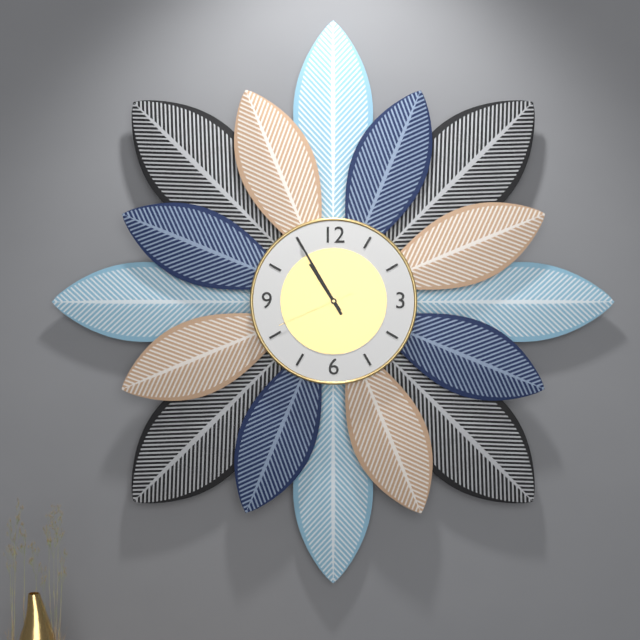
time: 10:55:41
